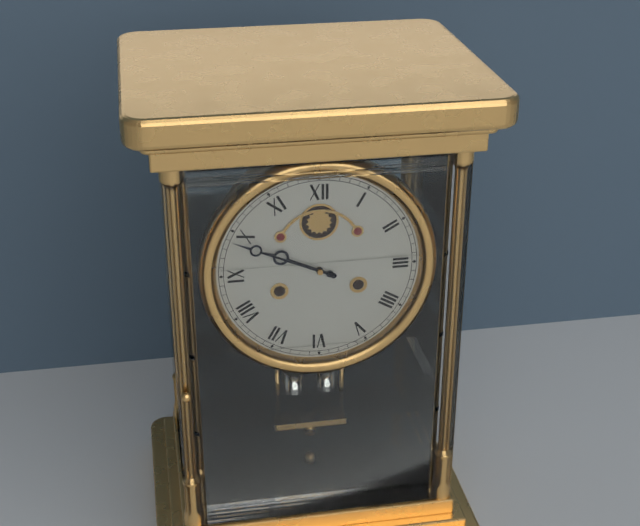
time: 9:49
